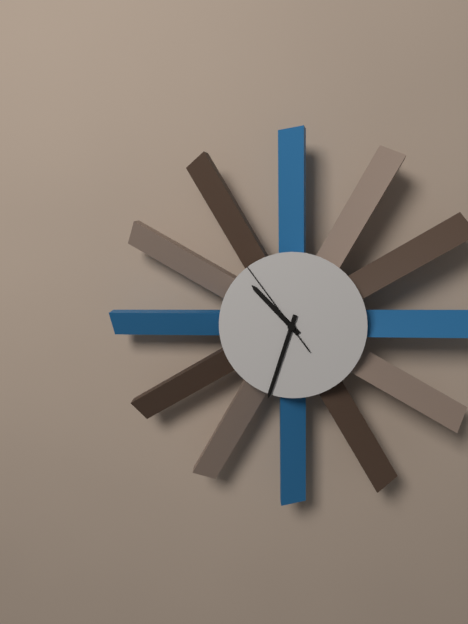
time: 10:33:54
